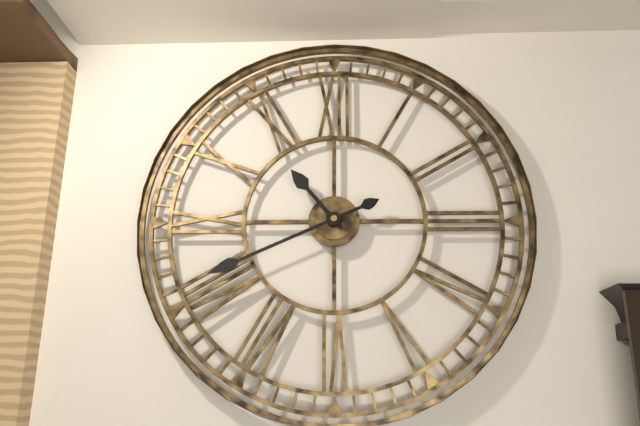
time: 10:41
